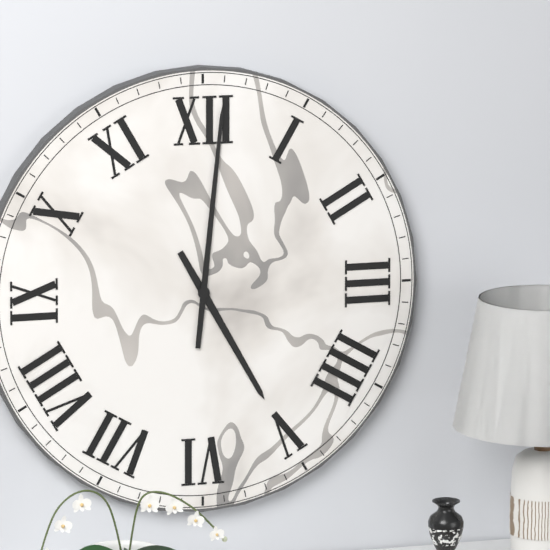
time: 5:01
